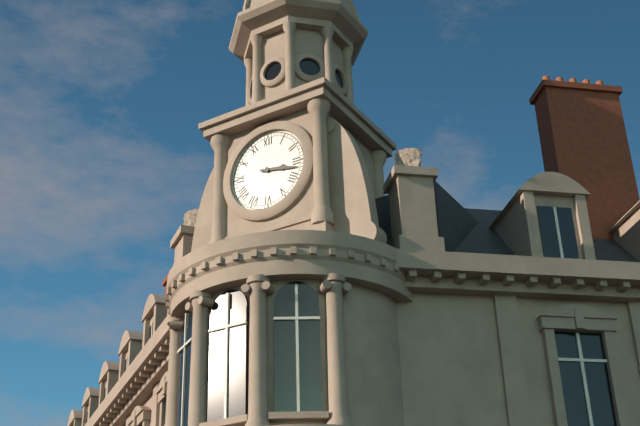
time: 3:17
